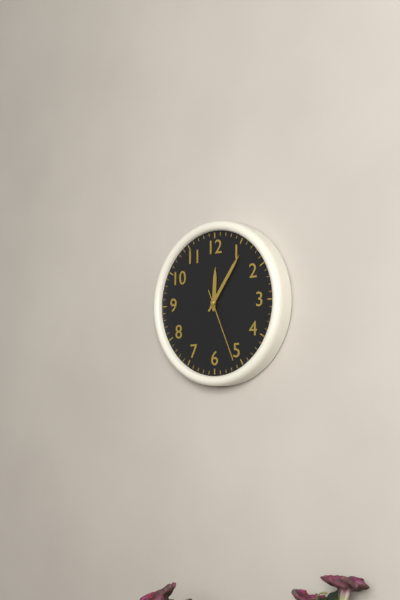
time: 12:06:26
